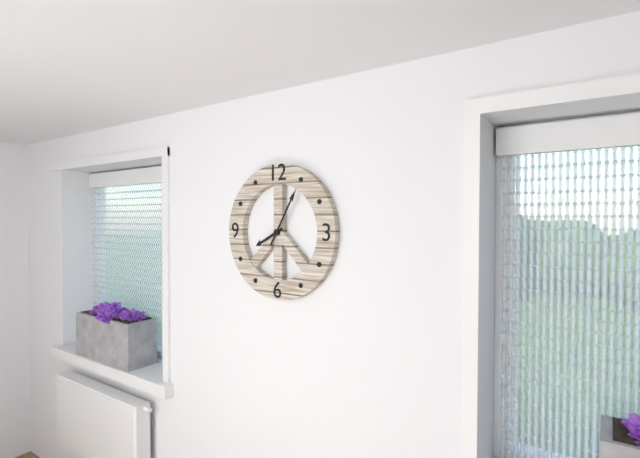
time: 8:05
